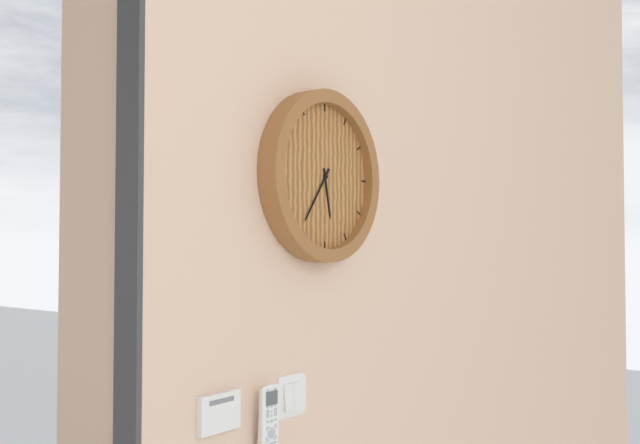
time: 5:36
